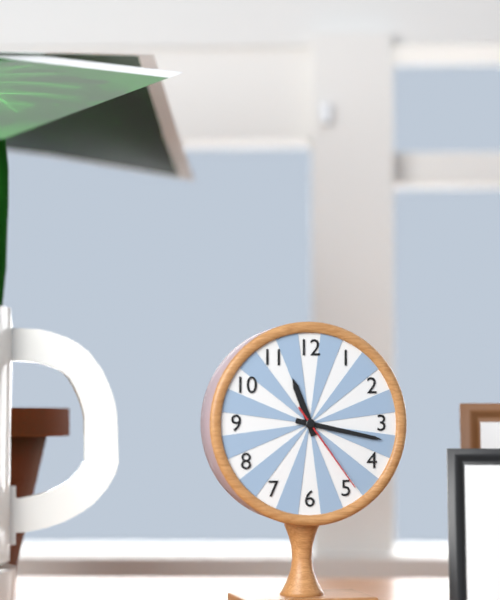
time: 11:17:24
